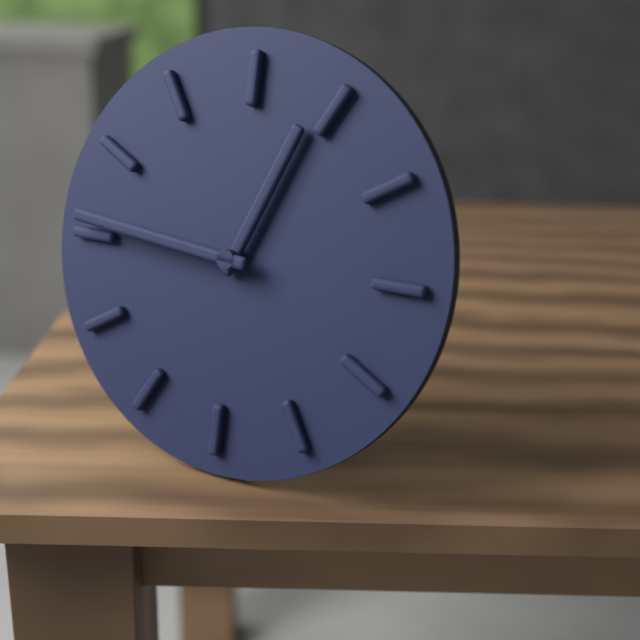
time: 12:46
